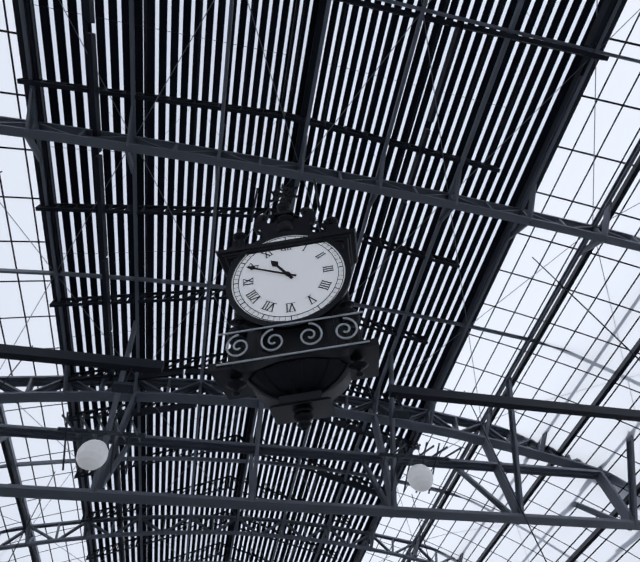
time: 10:49
